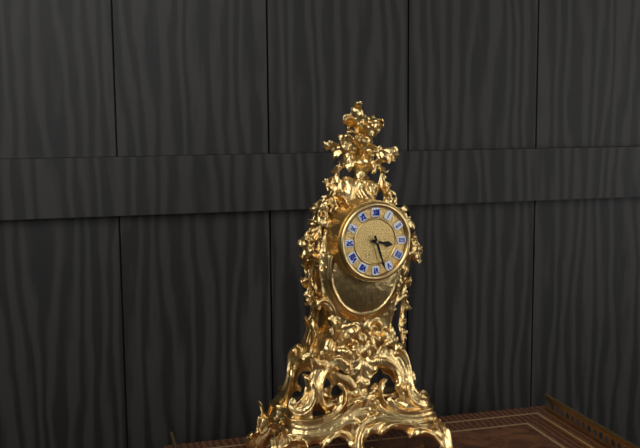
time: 3:27
